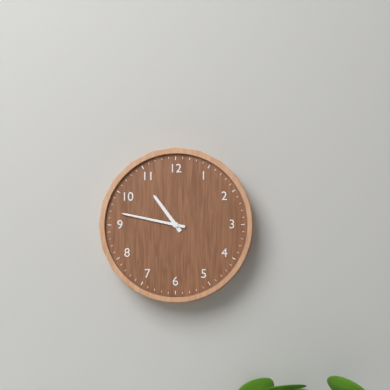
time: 10:47
